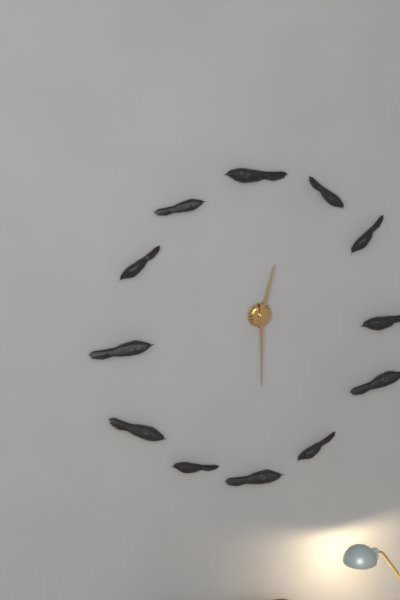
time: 12:30
